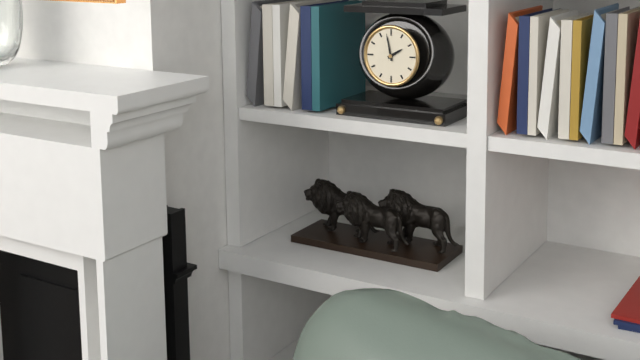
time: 1:58
